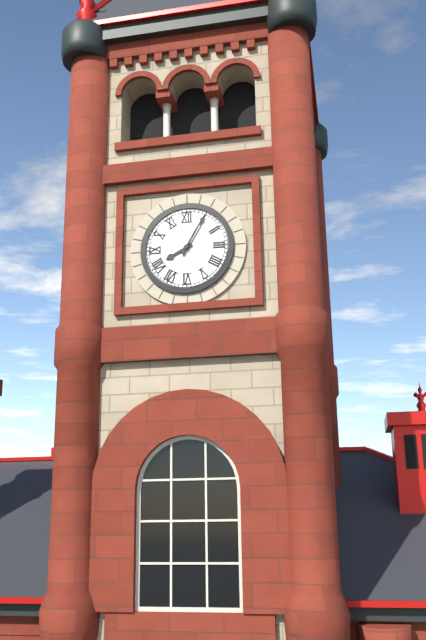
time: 8:05
